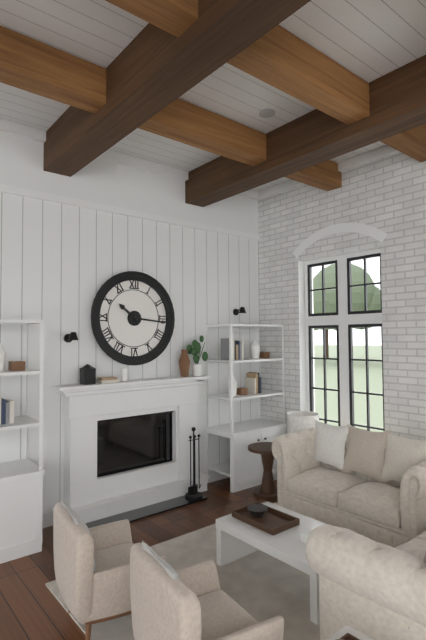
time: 10:16
